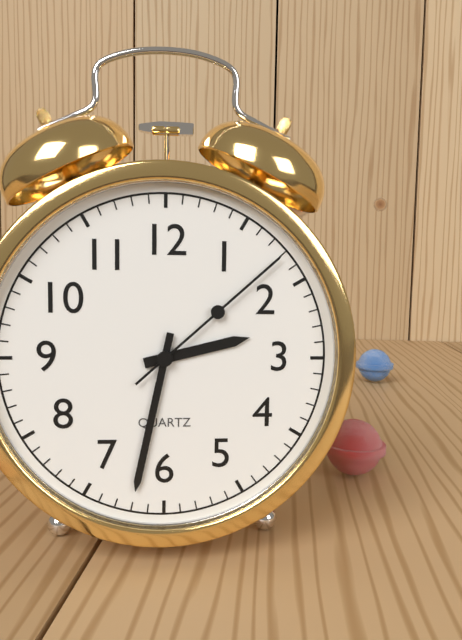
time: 2:32:08
